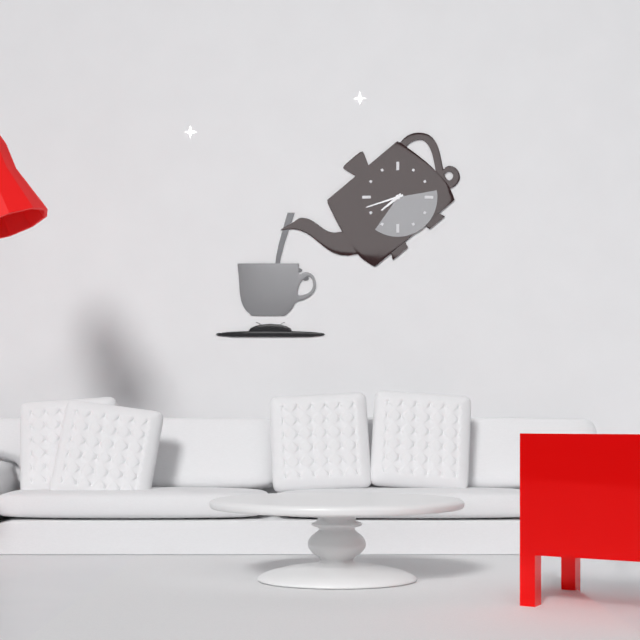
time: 7:42
